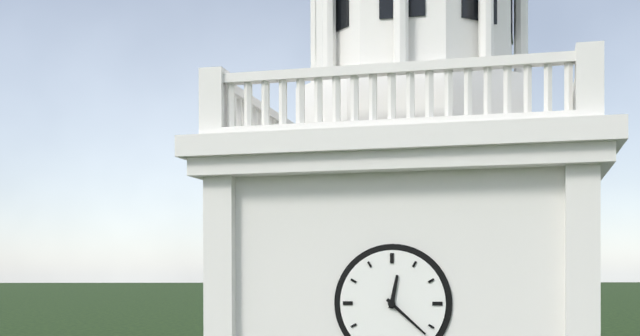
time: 12:22
